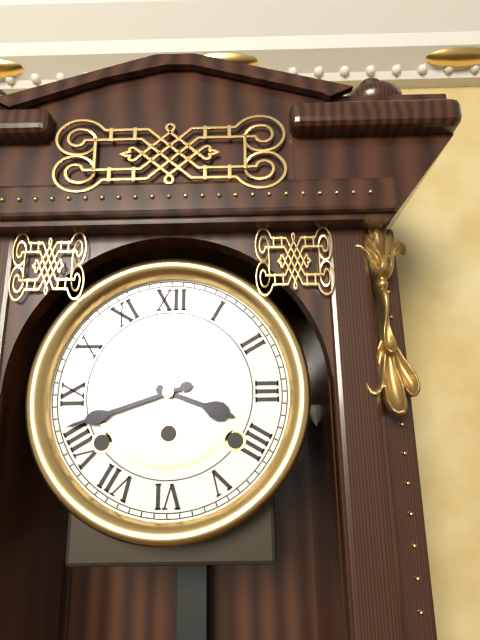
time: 3:42
